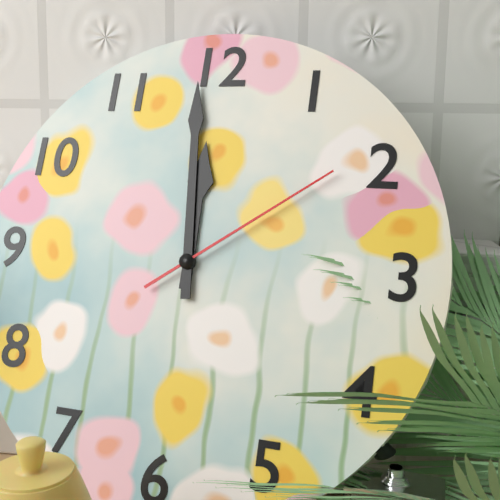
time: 11:59:09
